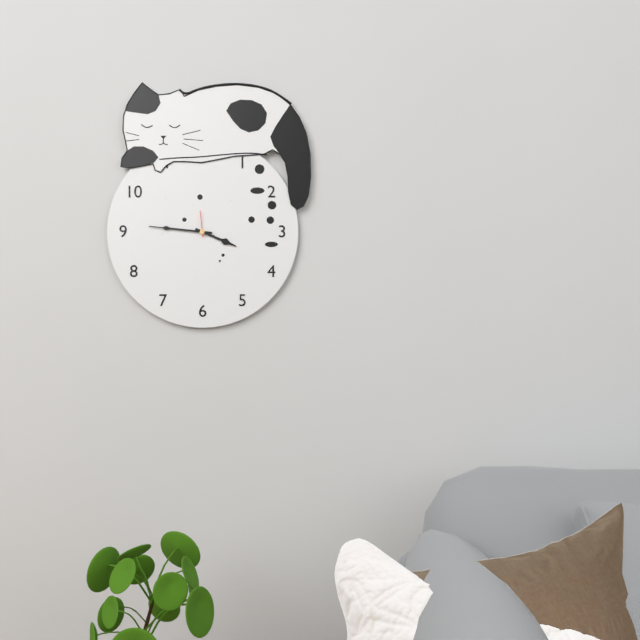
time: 3:46
